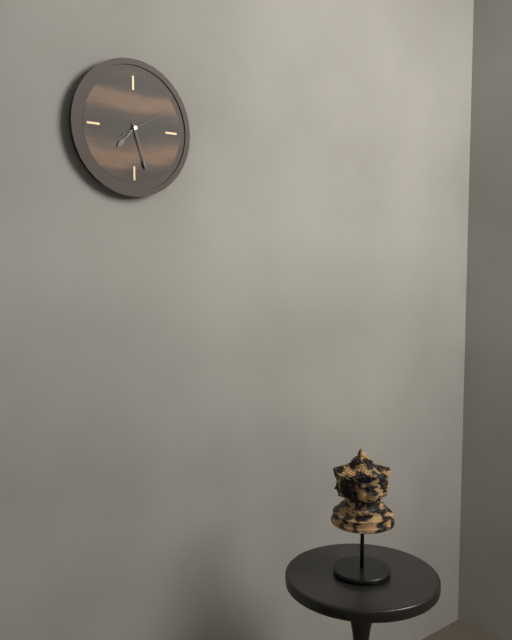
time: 7:27
